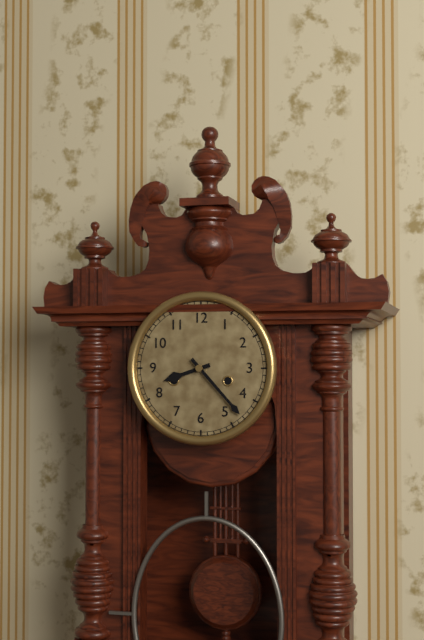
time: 8:23
